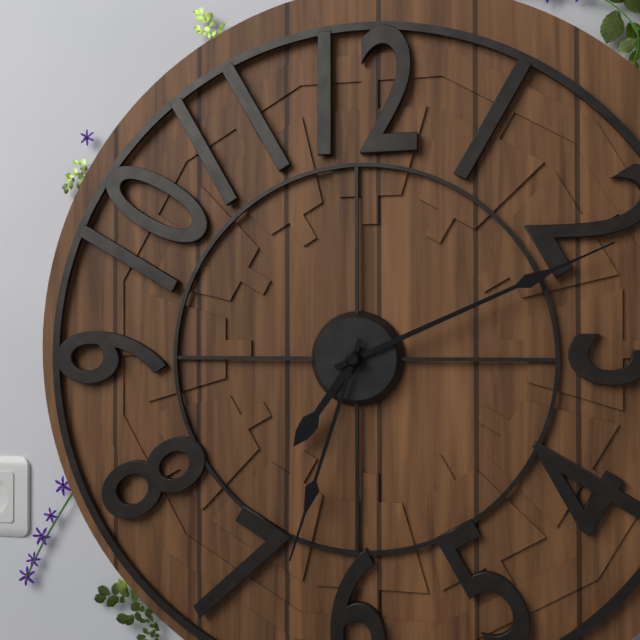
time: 7:11:33
